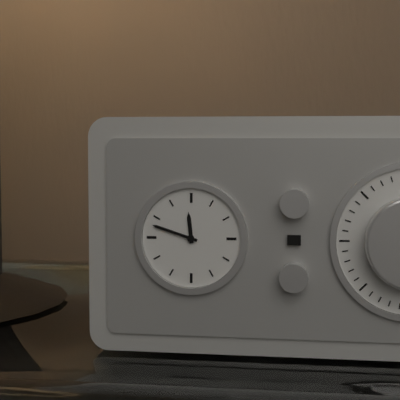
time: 11:48
